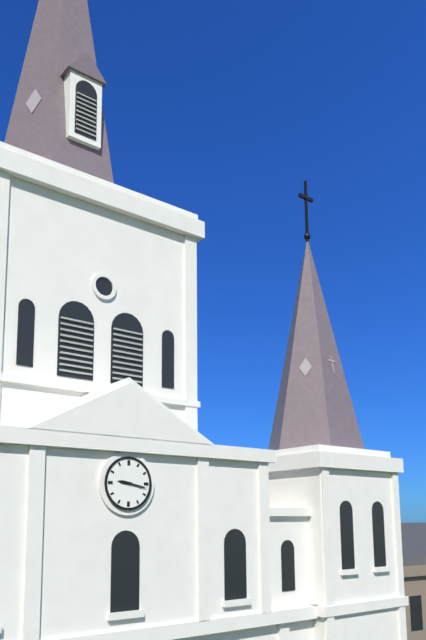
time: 9:17
